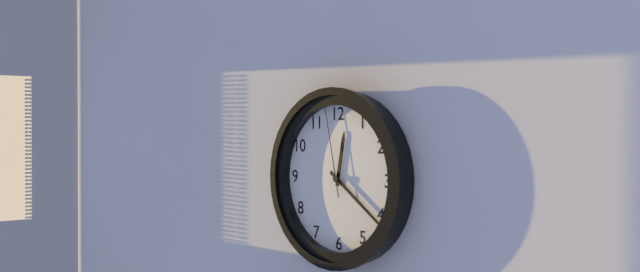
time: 12:21:58
